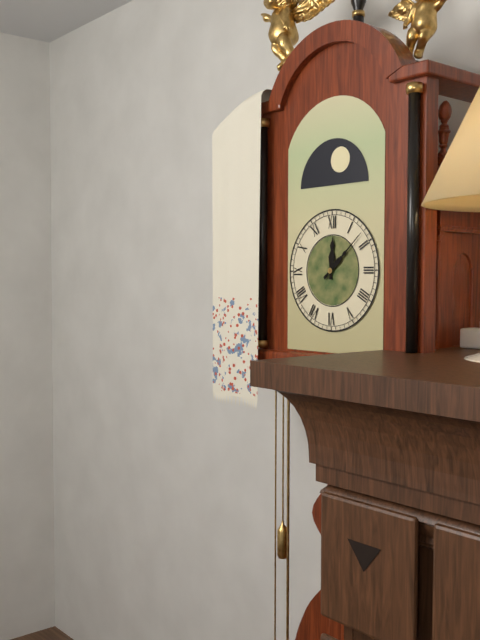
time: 12:08
